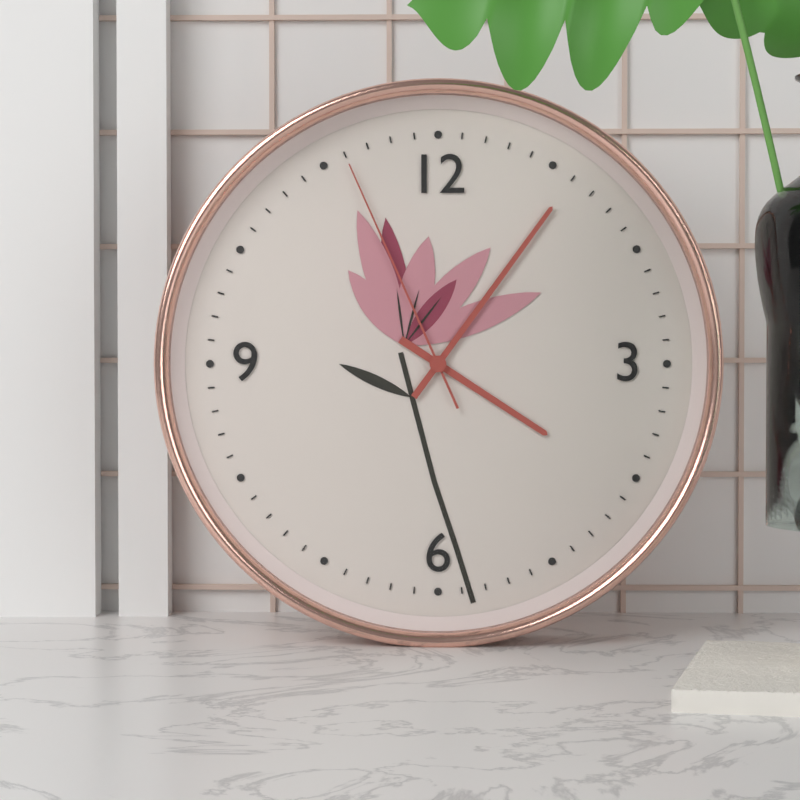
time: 4:06:56
